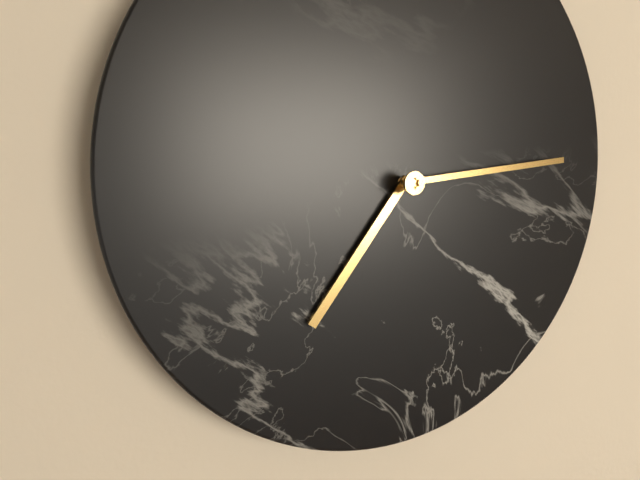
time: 7:14
